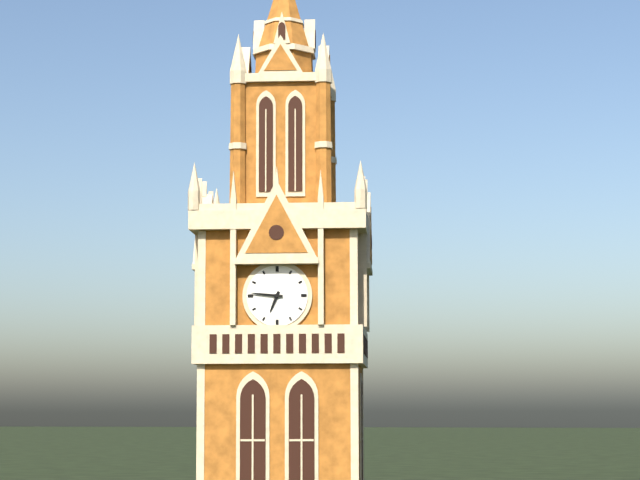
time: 6:46
